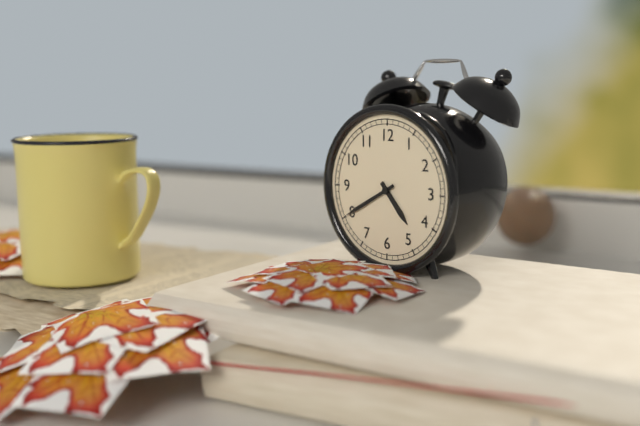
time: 4:40
